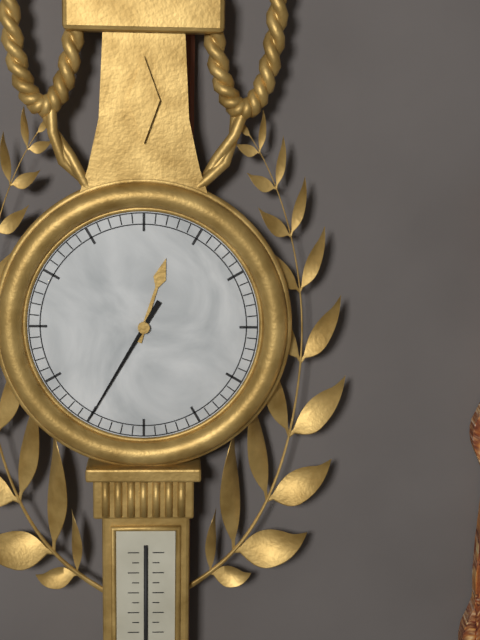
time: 12:35
